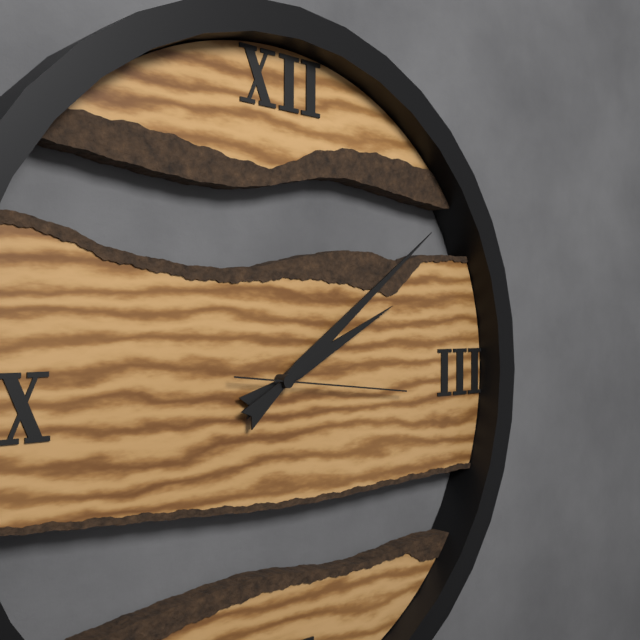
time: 2:09:16
